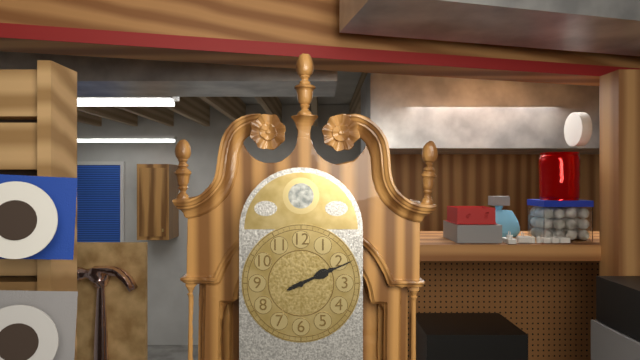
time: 2:11
